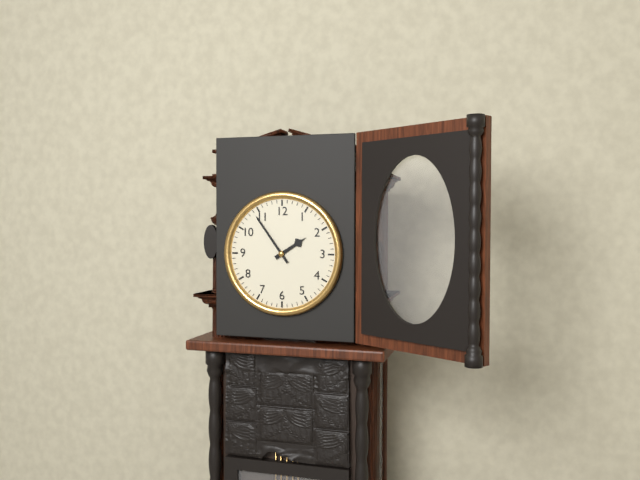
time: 1:54
